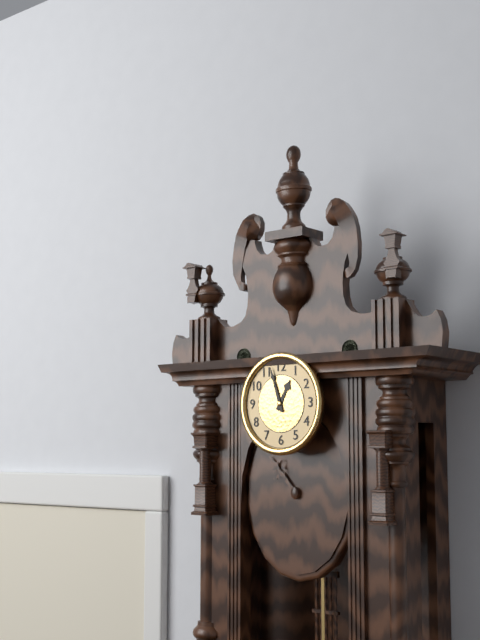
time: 12:57
